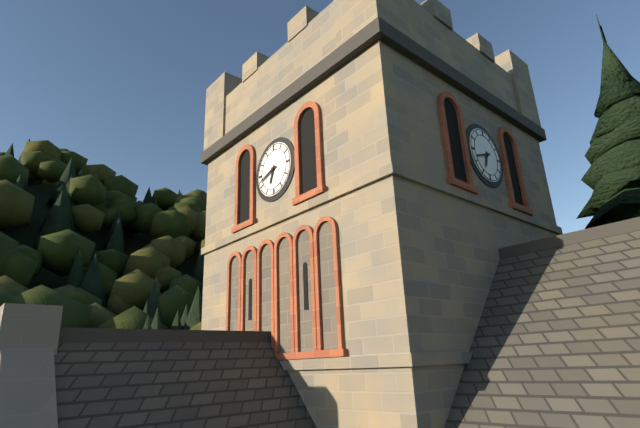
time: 6:42
